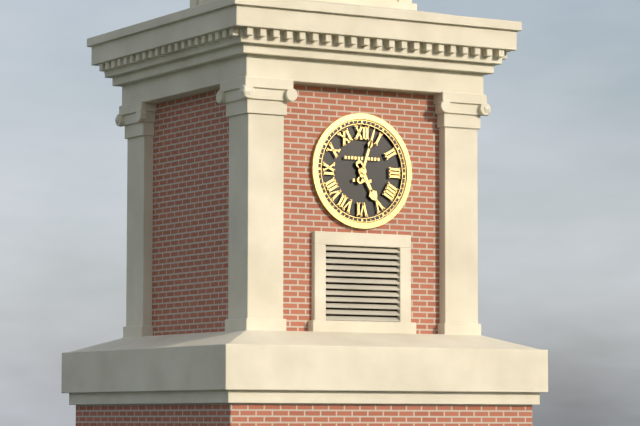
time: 5:03
